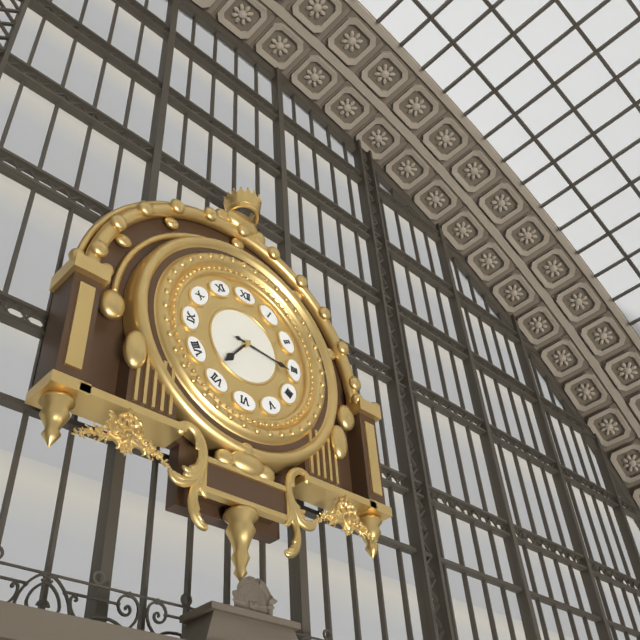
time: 7:16
